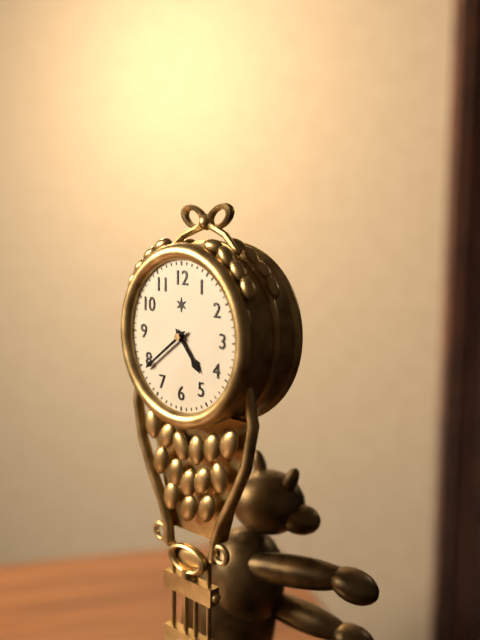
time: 4:39
